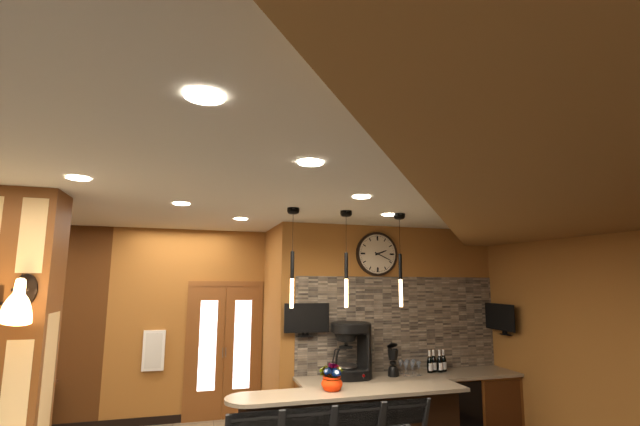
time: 2:19
